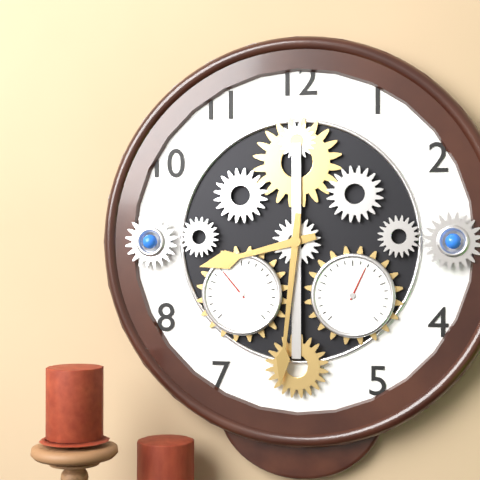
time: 8:31
